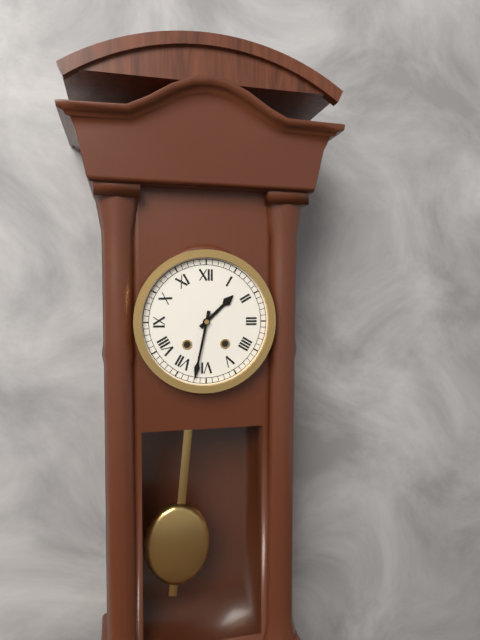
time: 1:32
